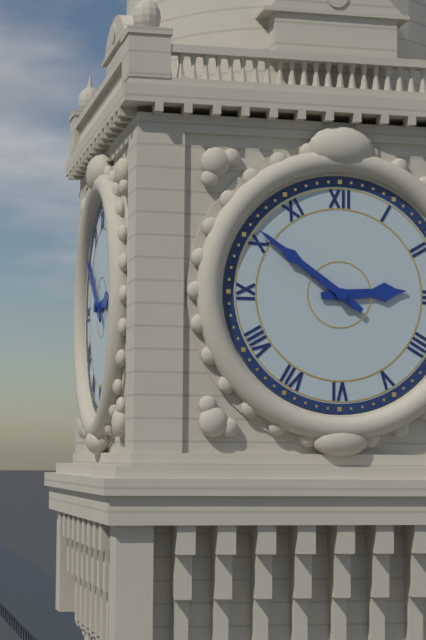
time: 2:51
